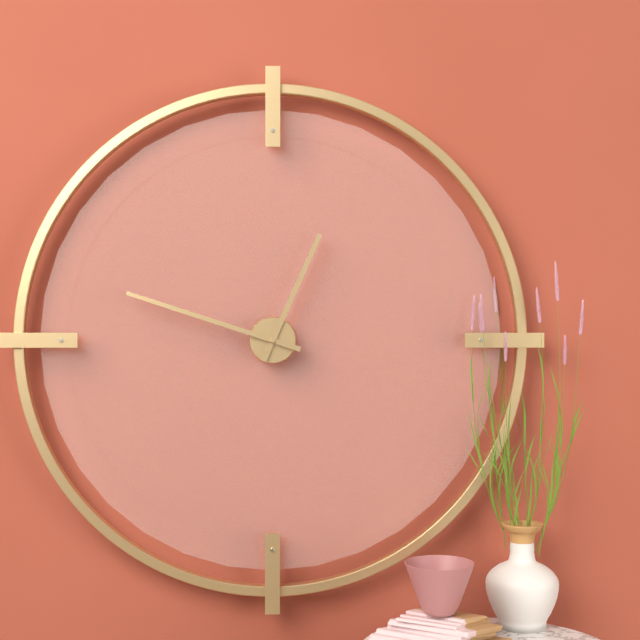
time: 12:48
